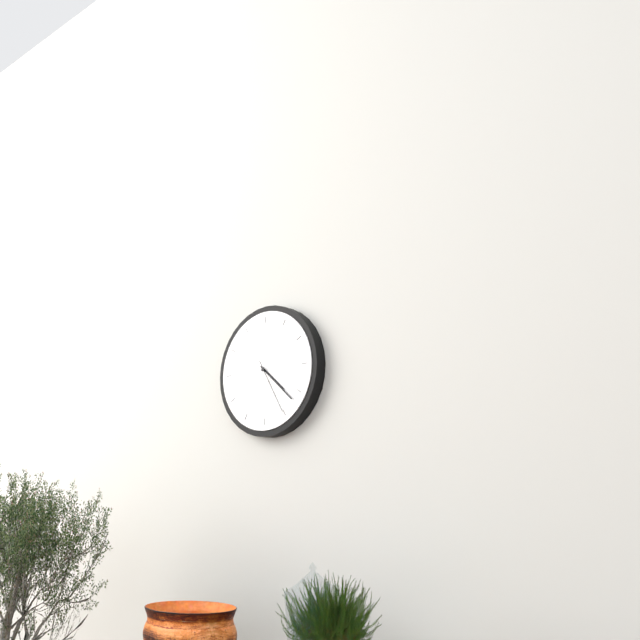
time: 4:22:25
